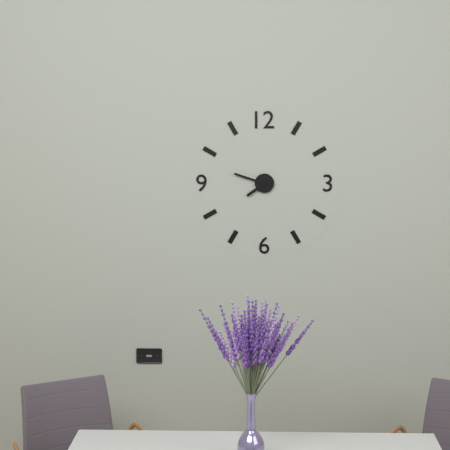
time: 7:48
